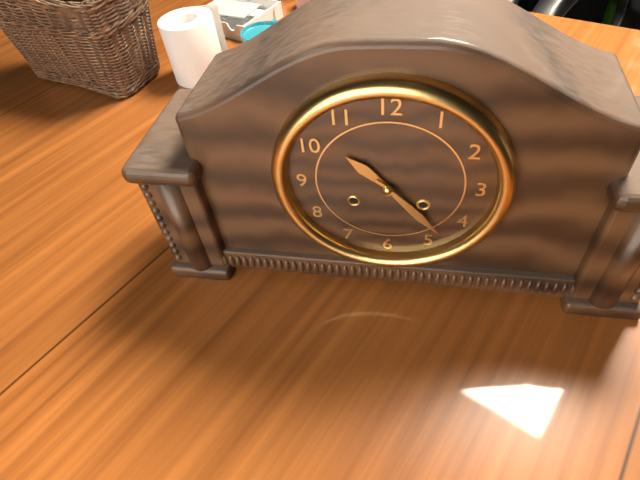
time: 10:23
